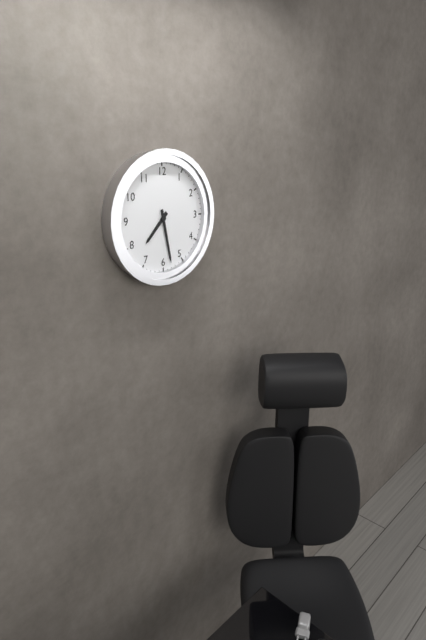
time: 7:28
